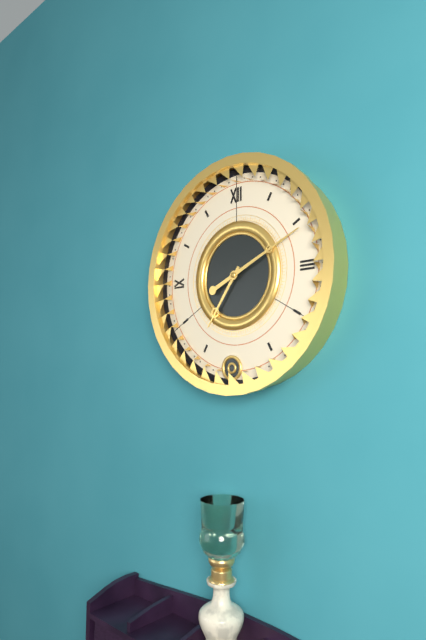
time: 7:11
